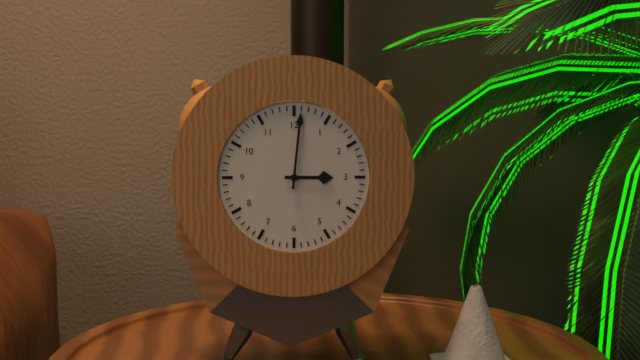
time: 3:01
